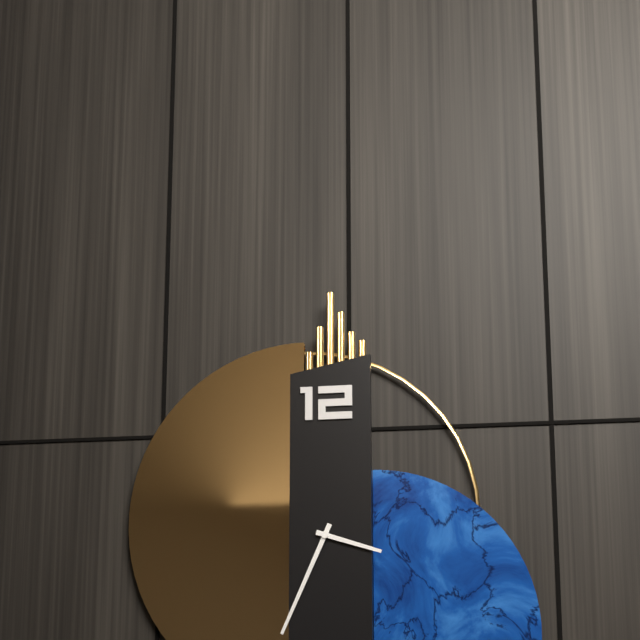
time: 3:34
